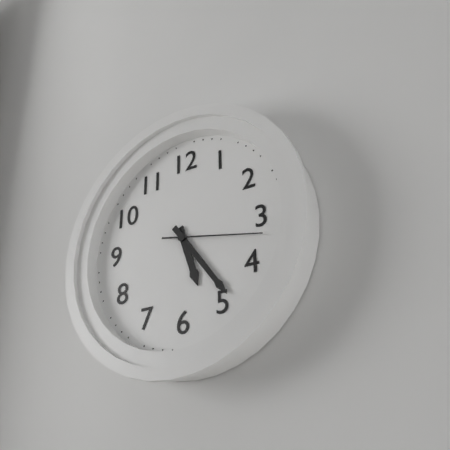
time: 5:24:17
